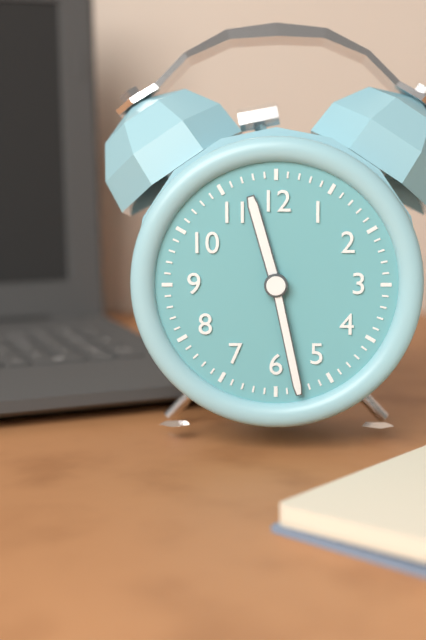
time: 11:28
